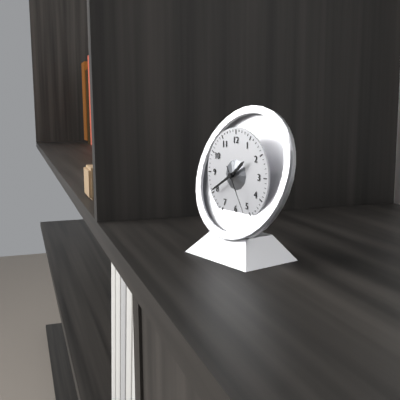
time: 1:40
